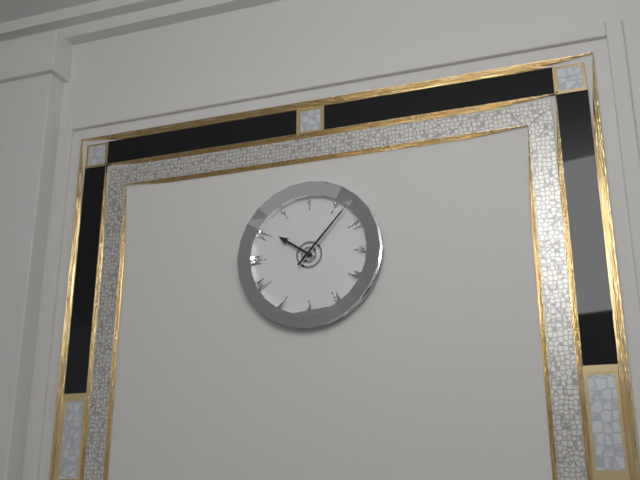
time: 10:07
